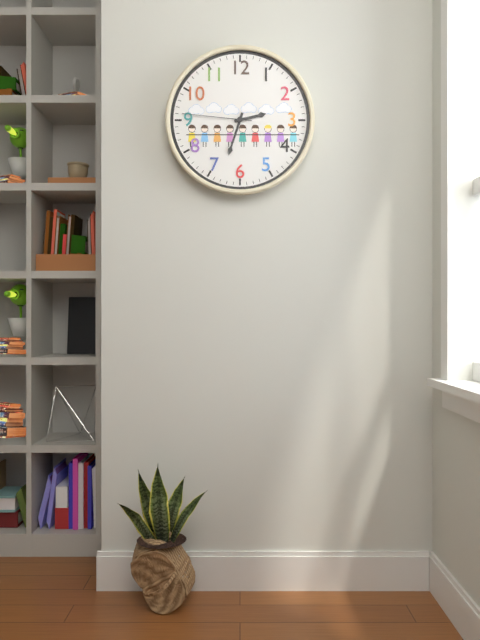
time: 2:33:46
